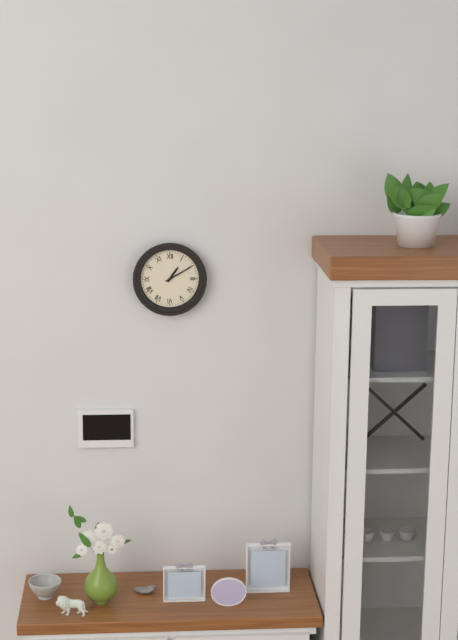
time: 1:10
